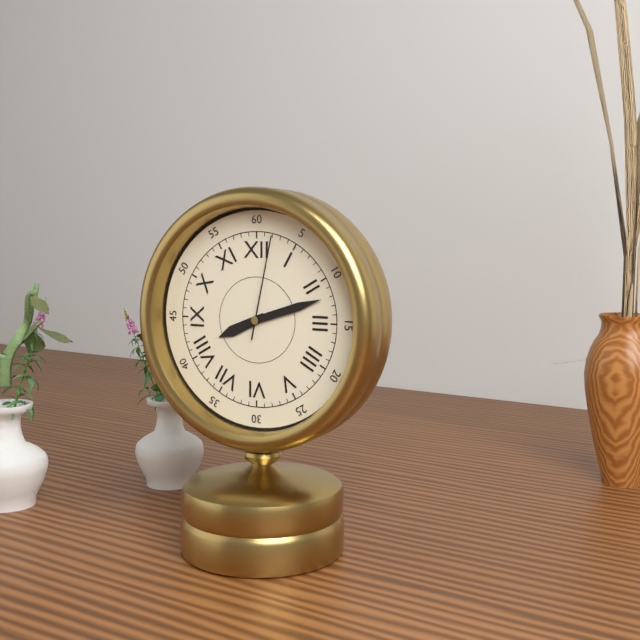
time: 8:12:02
